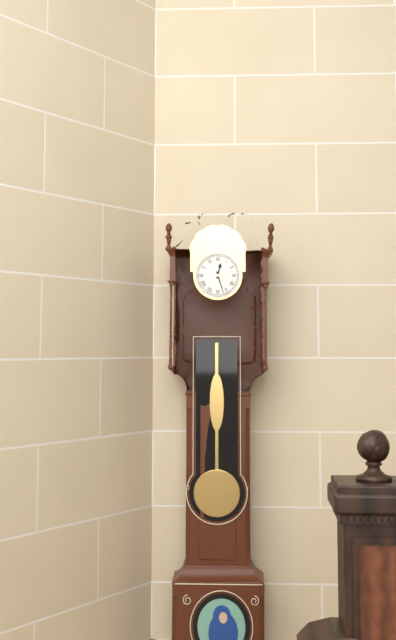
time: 12:27
